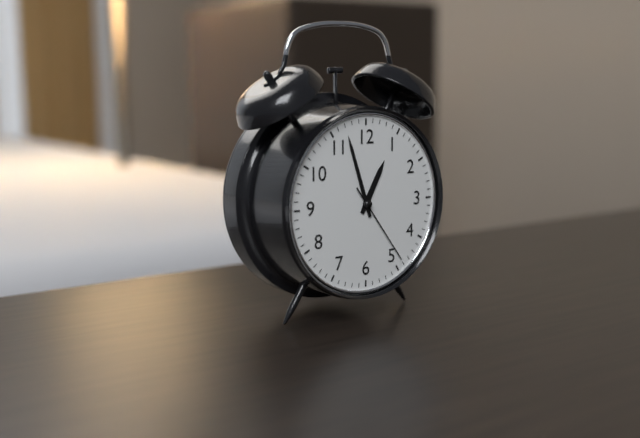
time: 12:57:24
